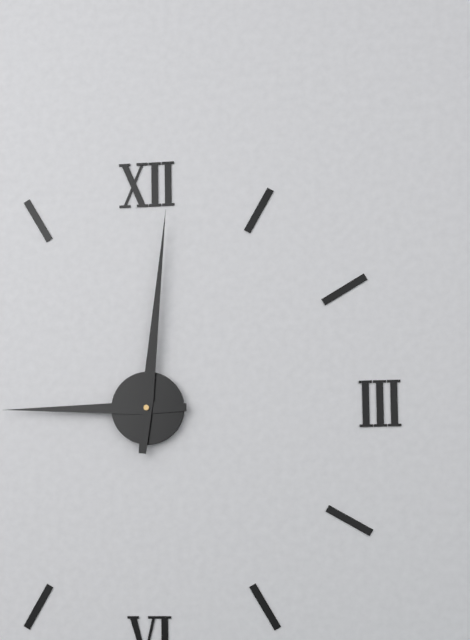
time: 9:01
